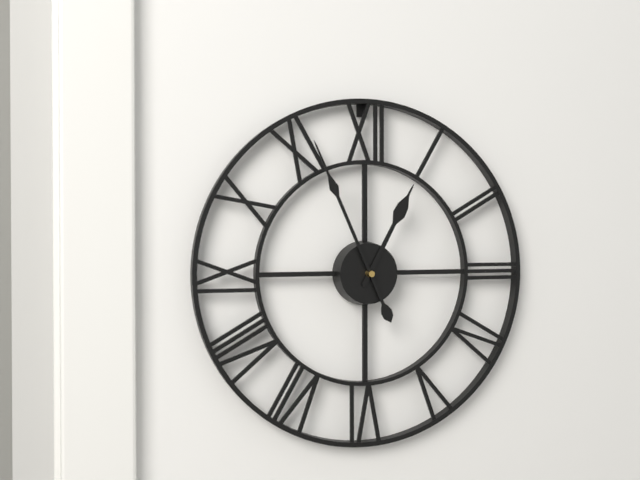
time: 12:56
